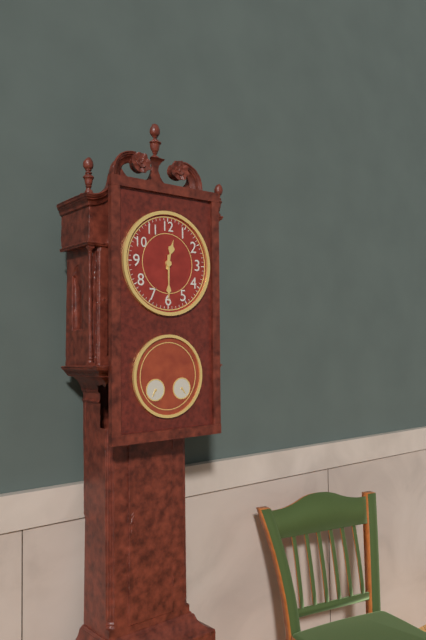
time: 12:30
